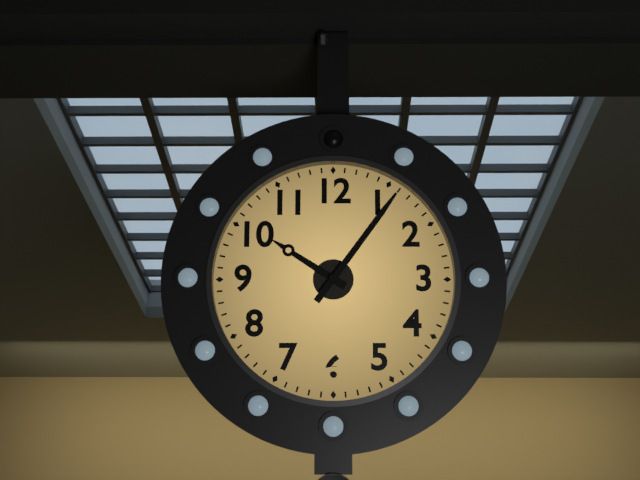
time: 10:06
